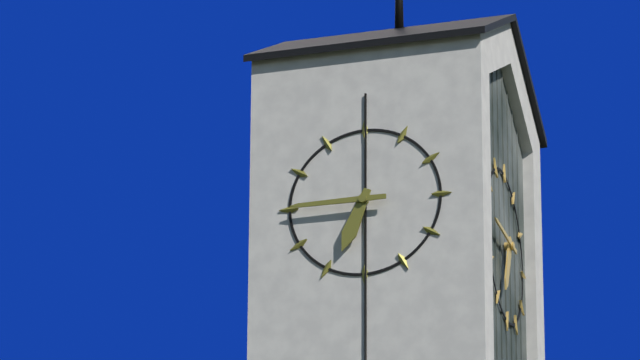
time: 6:45
